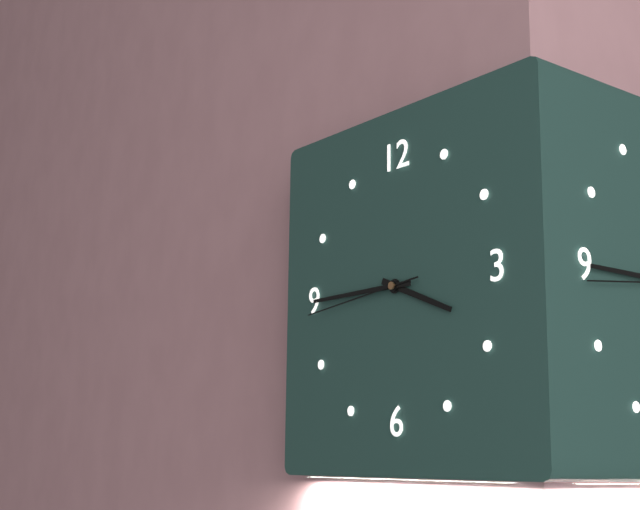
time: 3:45:44
